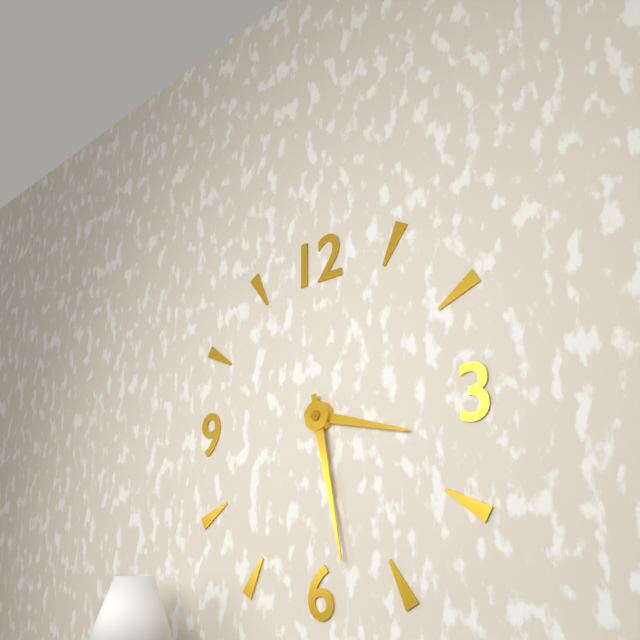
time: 3:28
